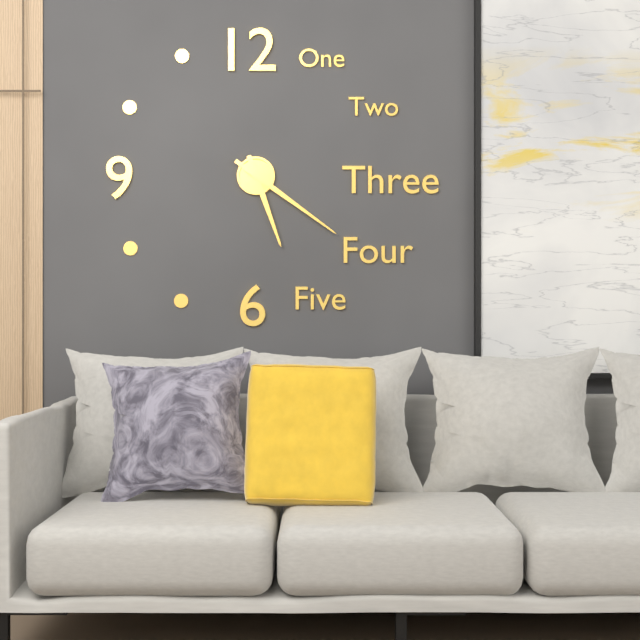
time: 5:21
